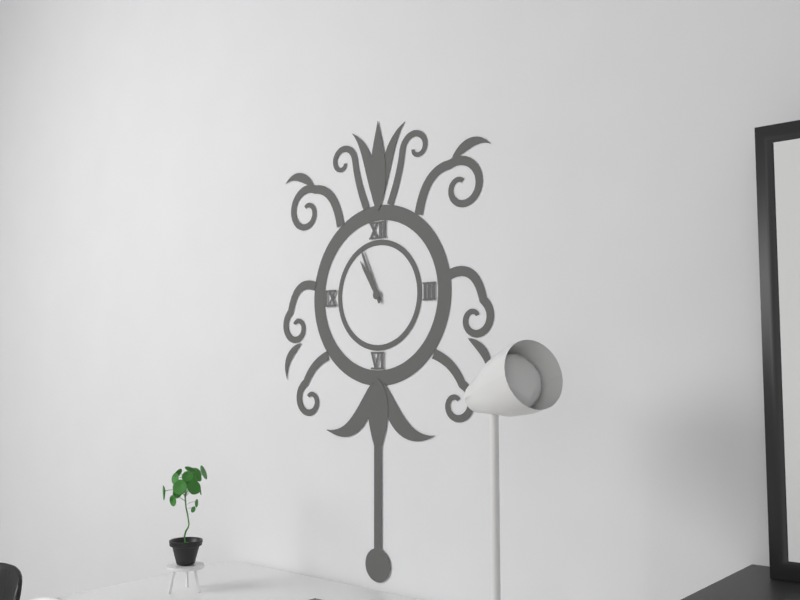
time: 10:56
